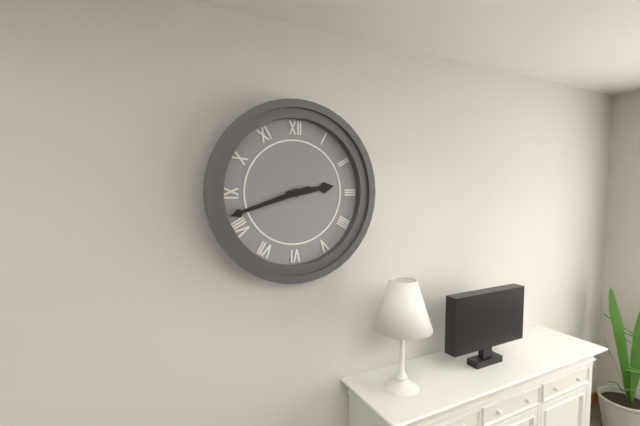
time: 2:42
